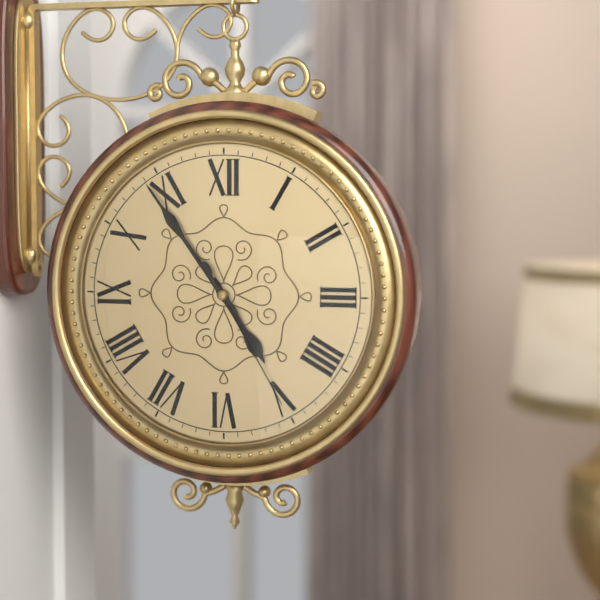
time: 4:54:25
